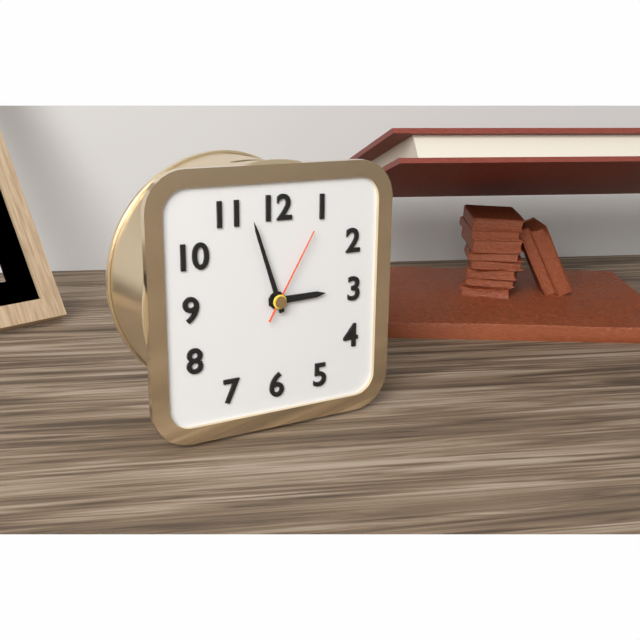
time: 2:57:05
